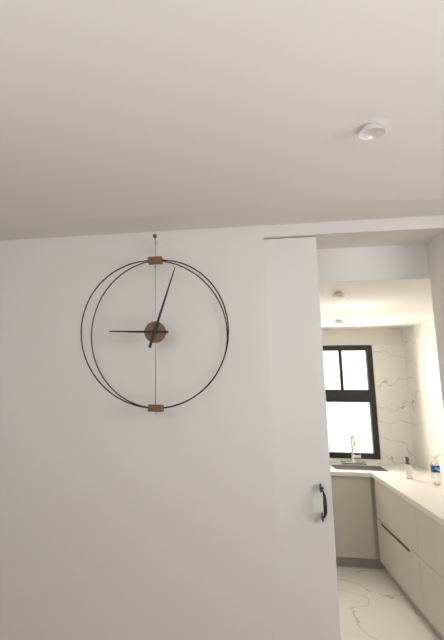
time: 9:03
